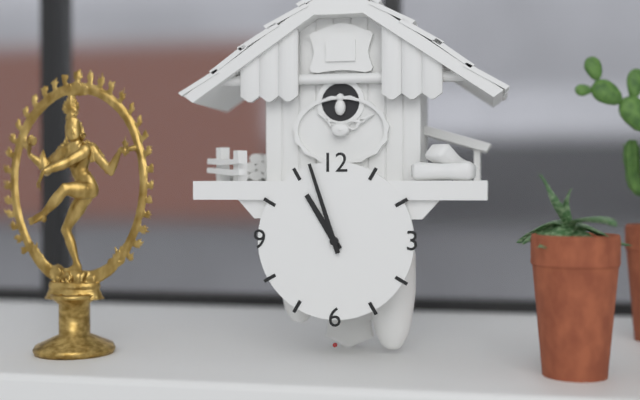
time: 10:57
